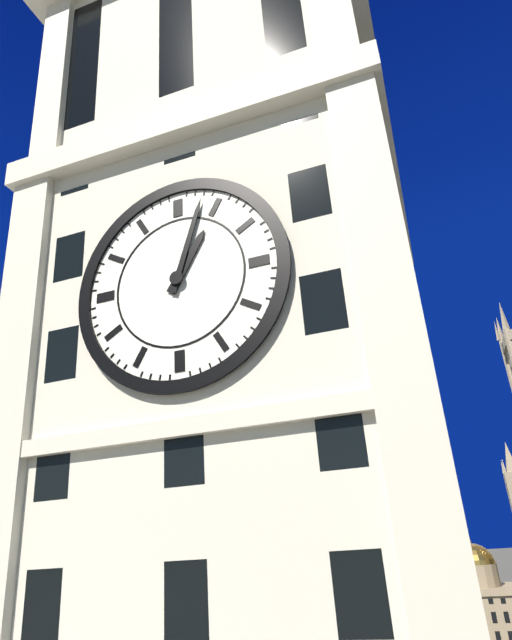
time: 1:03
